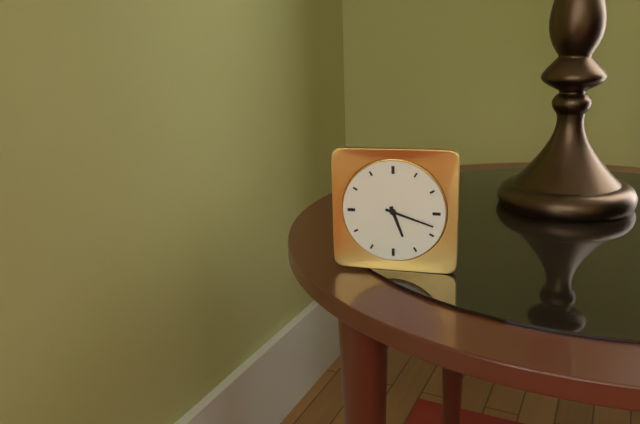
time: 5:18
